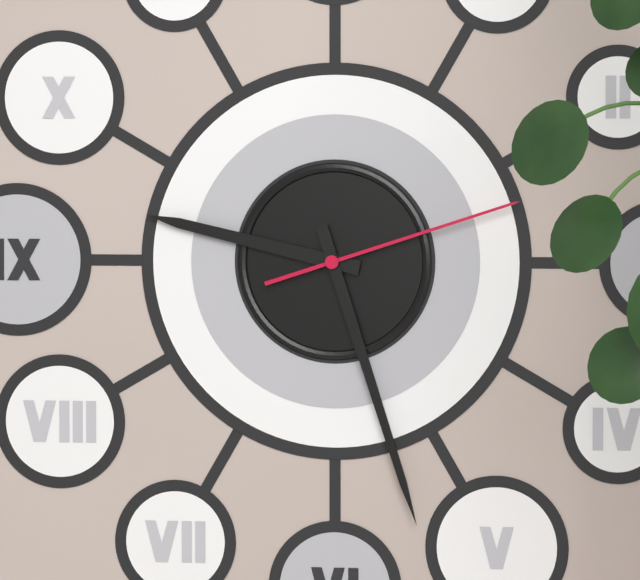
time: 9:27:12
